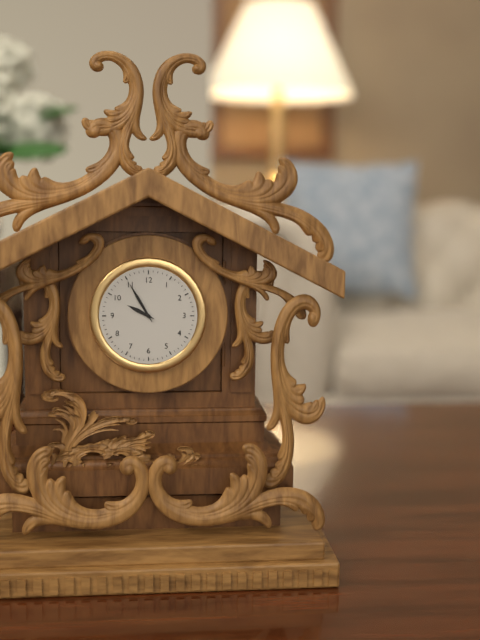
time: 9:55
